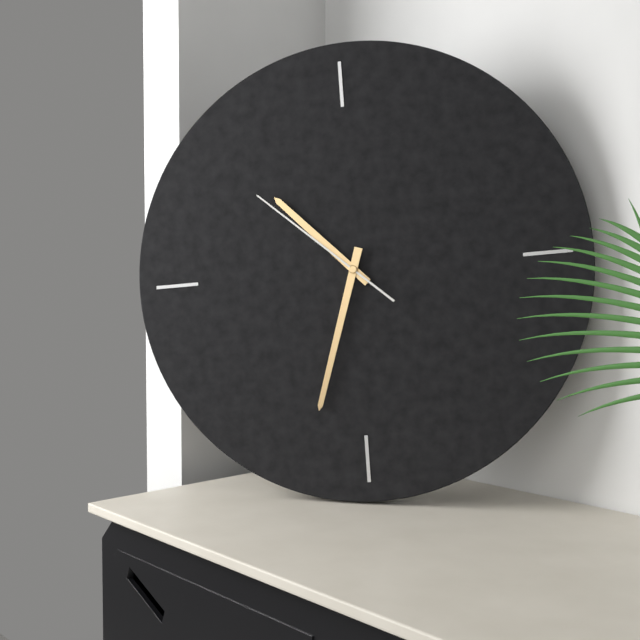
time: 10:33:52
